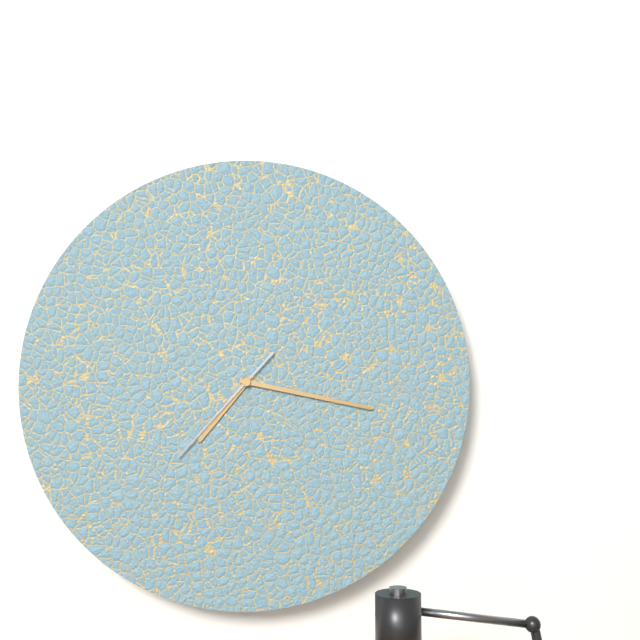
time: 7:17:37
